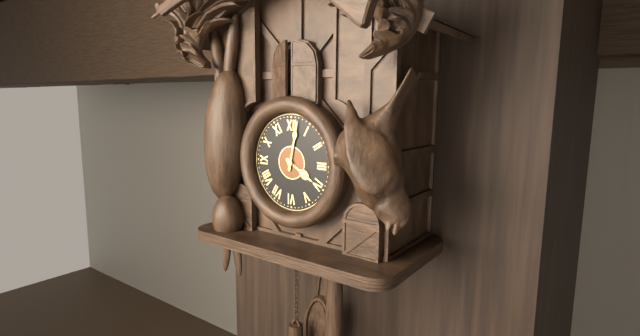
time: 4:02
